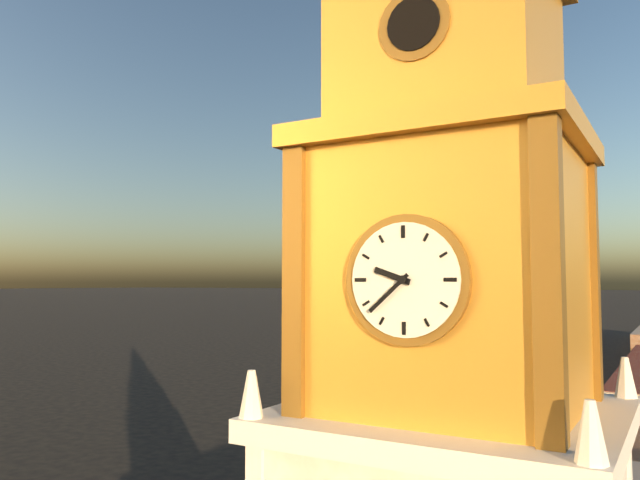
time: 9:38
